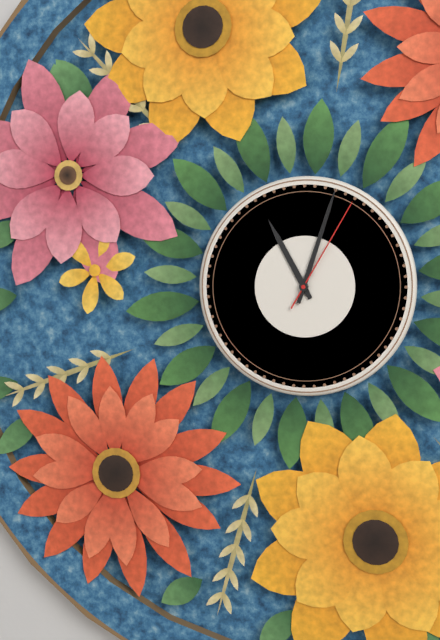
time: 11:03:05
